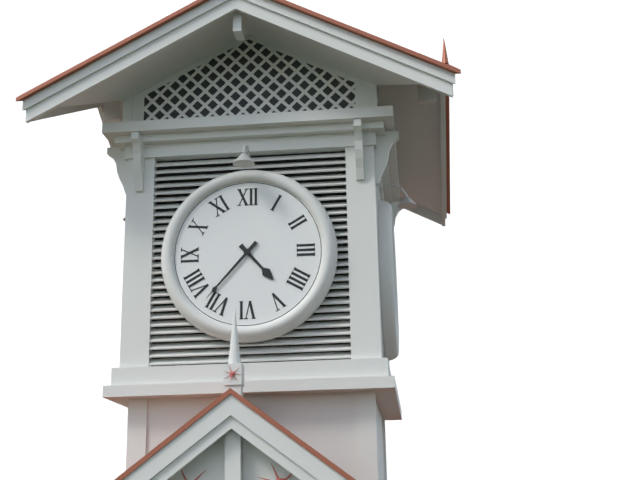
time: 4:37
